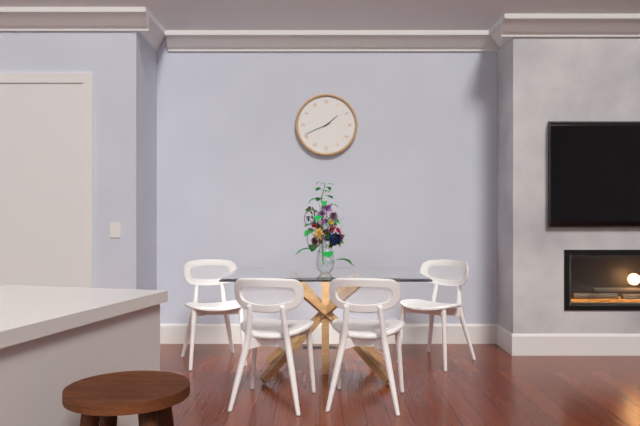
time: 1:41
